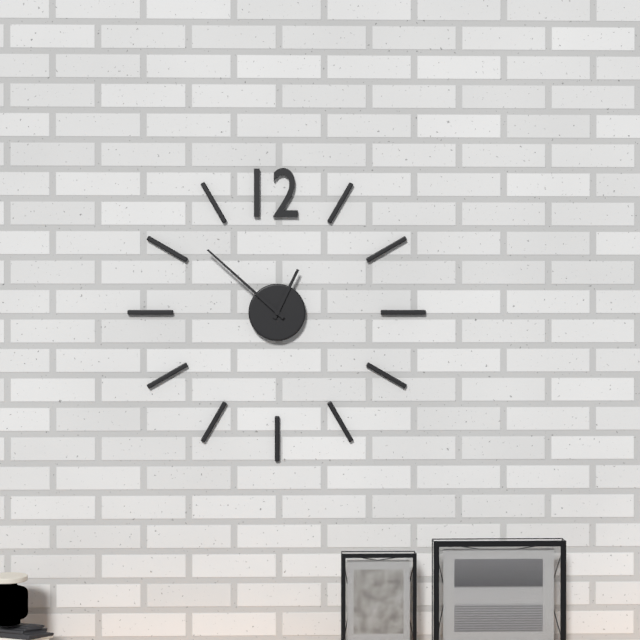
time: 12:52
